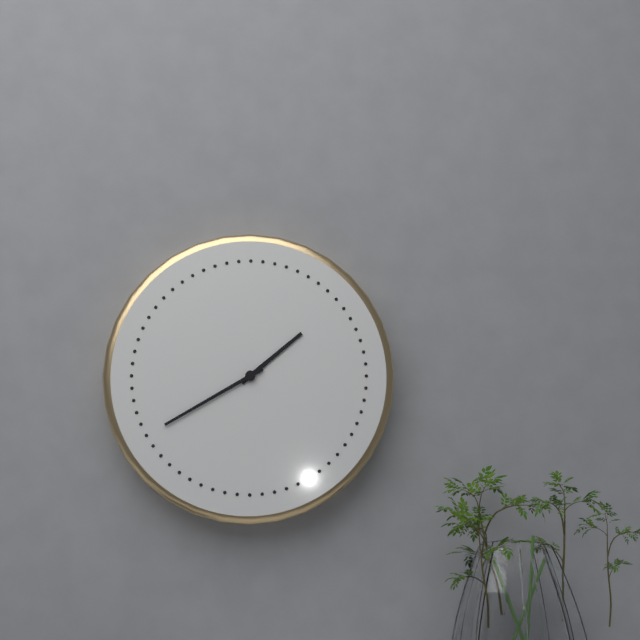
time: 1:40
